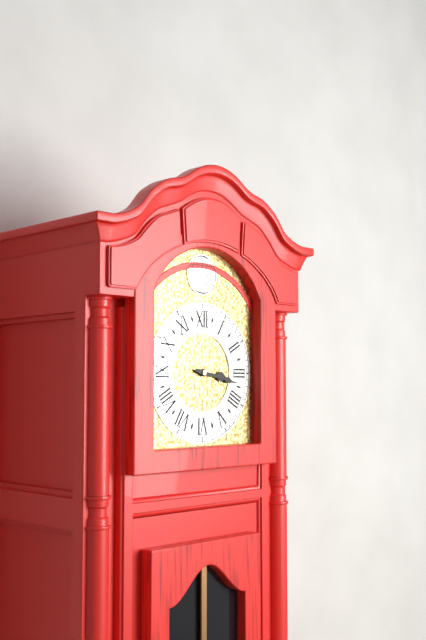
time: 3:17
